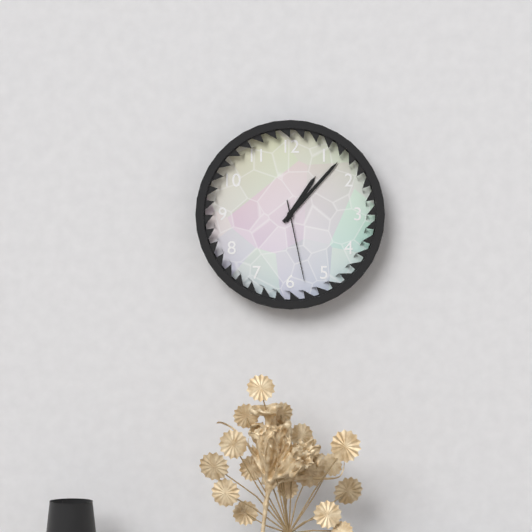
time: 1:07:28
